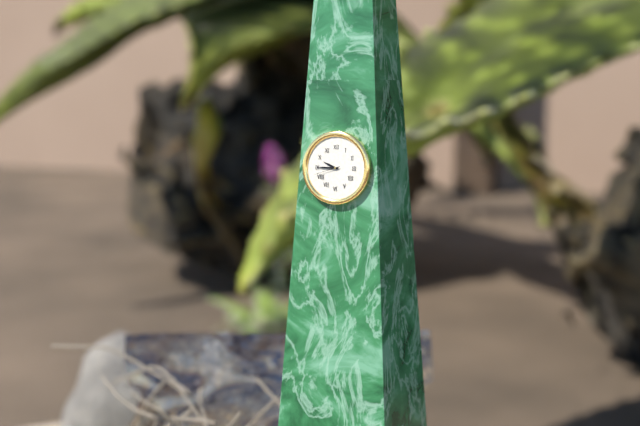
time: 9:45
